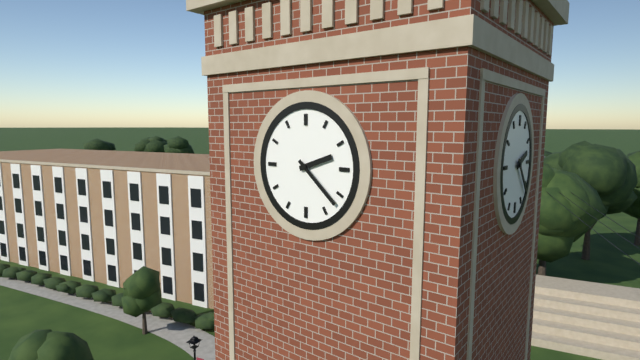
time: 2:22
